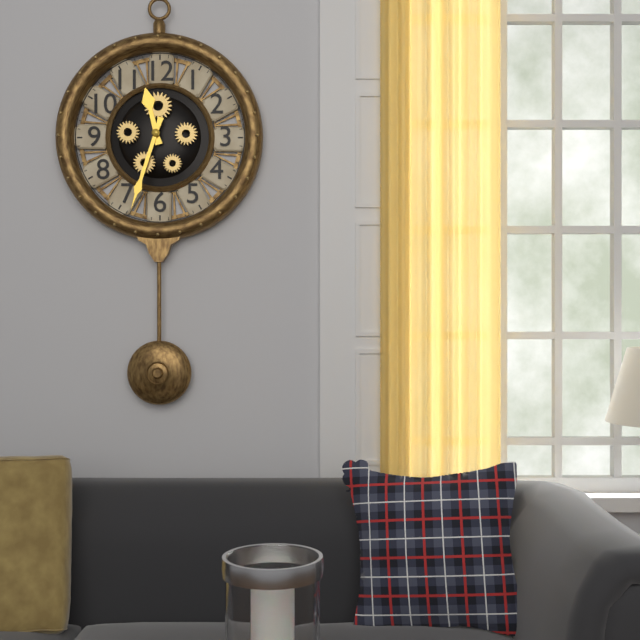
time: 11:33
